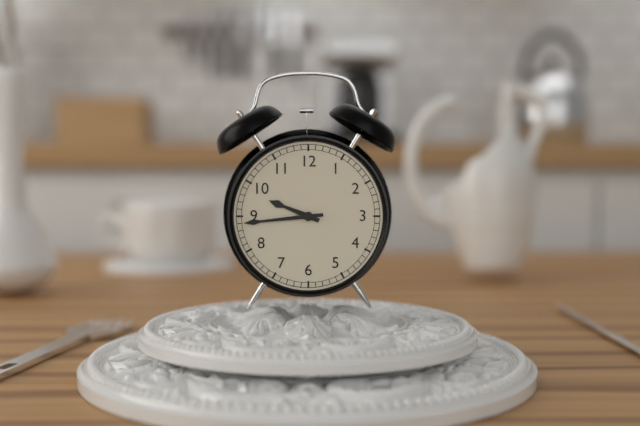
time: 9:44
